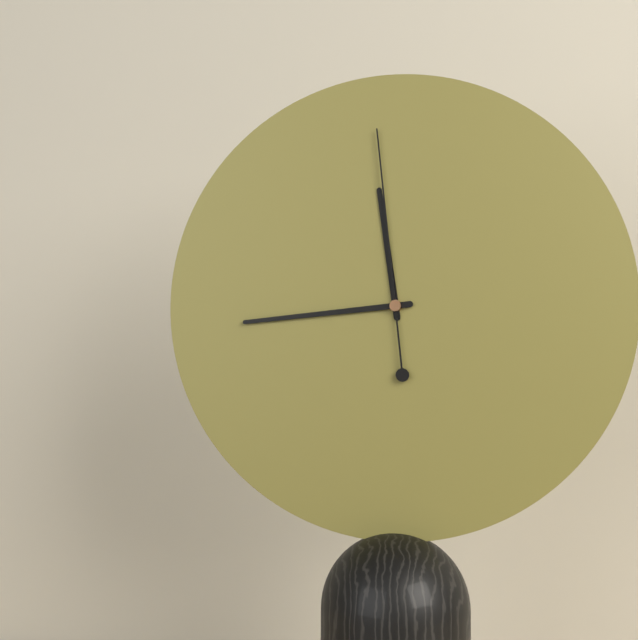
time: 11:44:59
